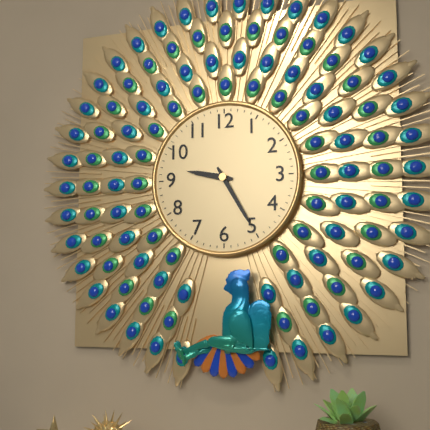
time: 9:25
